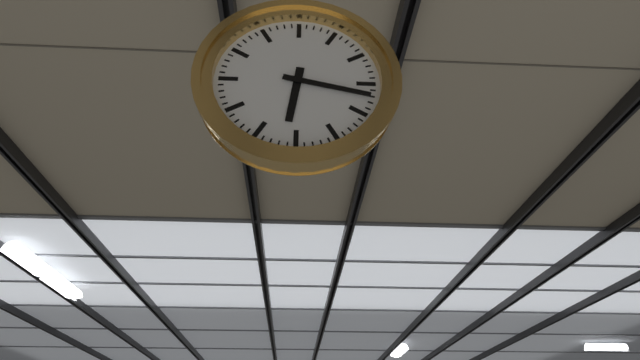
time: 6:17
